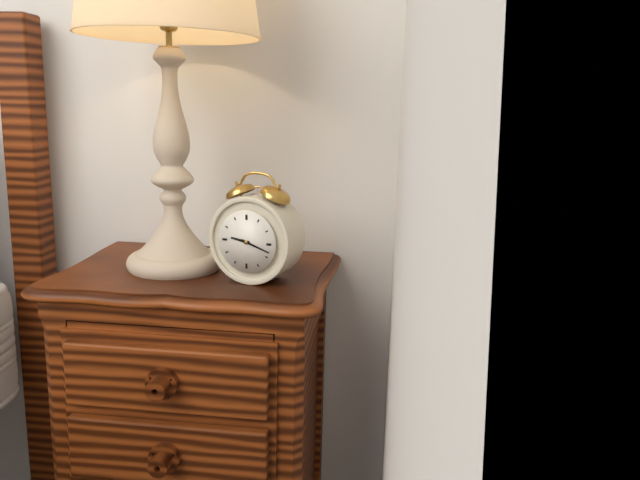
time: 9:18
